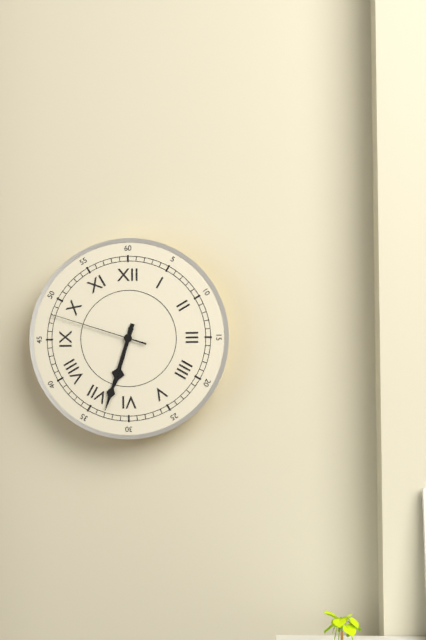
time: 6:33:48
